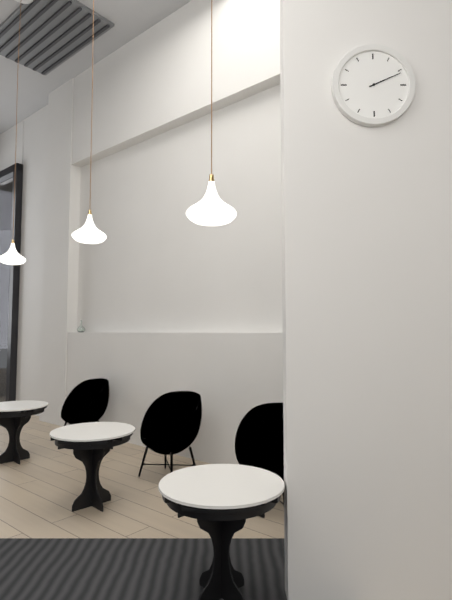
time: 2:11
